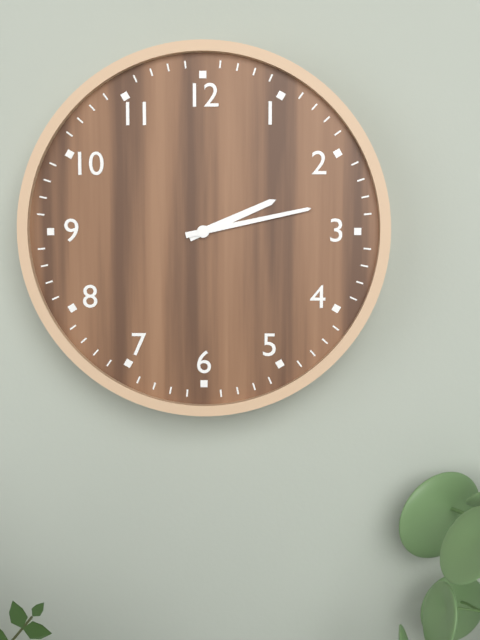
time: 2:13
